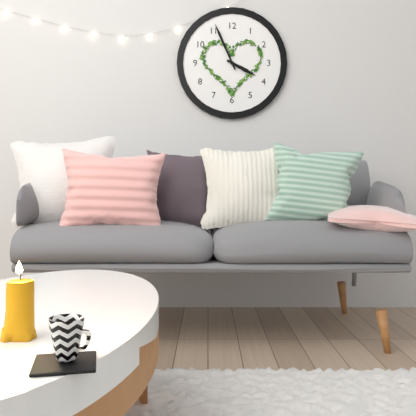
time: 3:56
